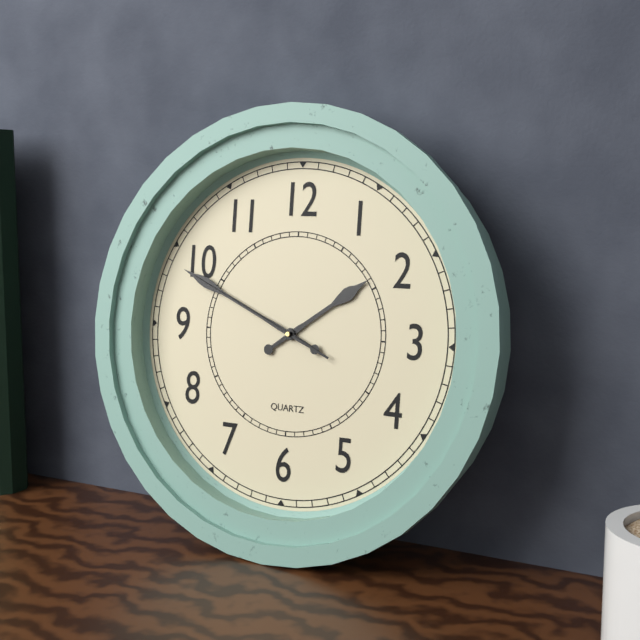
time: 1:49:49
